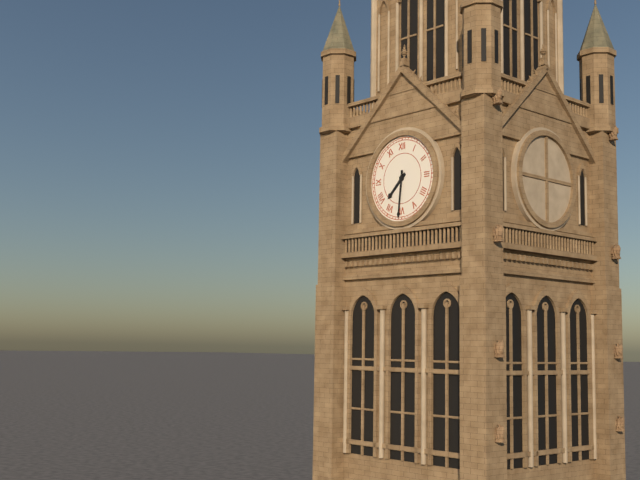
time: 7:31
